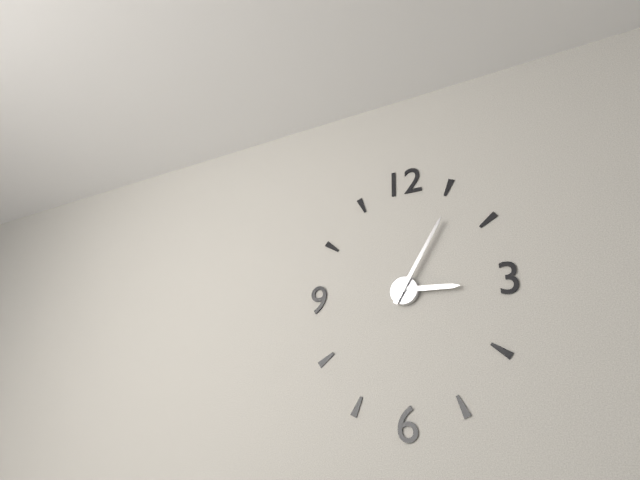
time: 3:05
